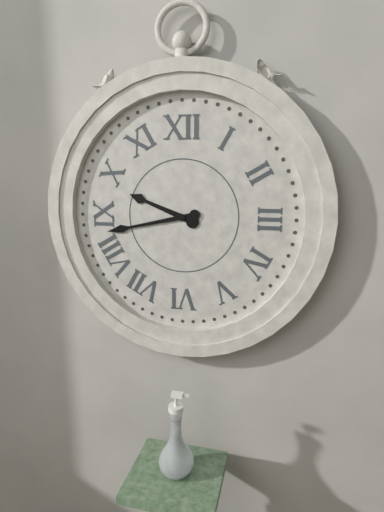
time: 9:43
